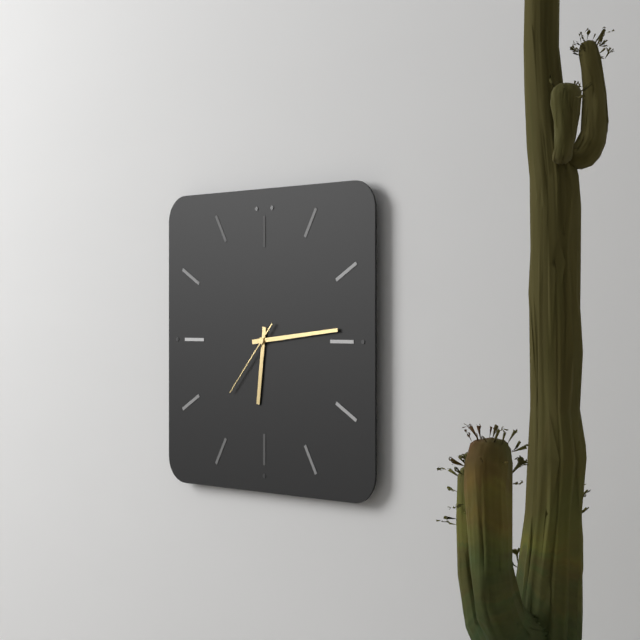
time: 6:14:37
